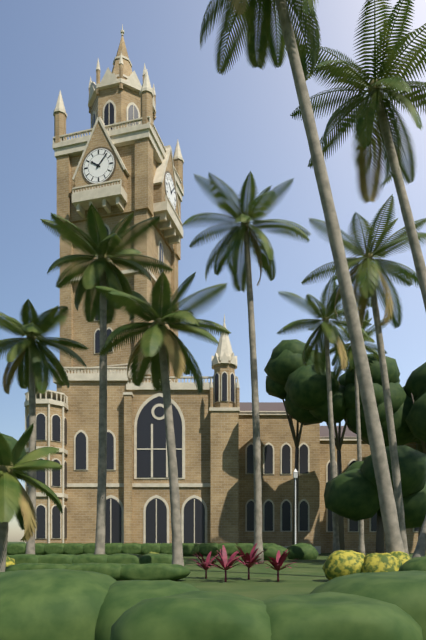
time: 10:07
